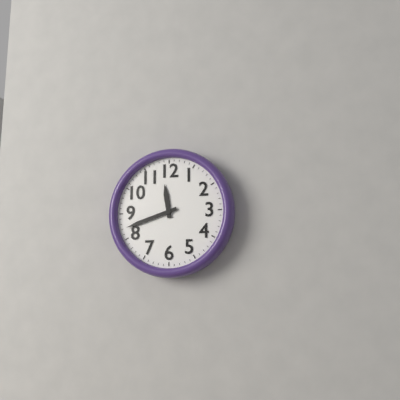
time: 11:42
